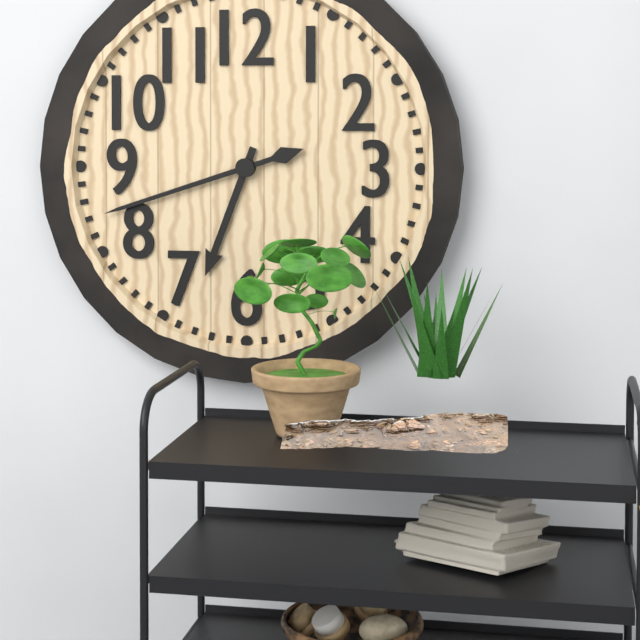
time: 6:42
